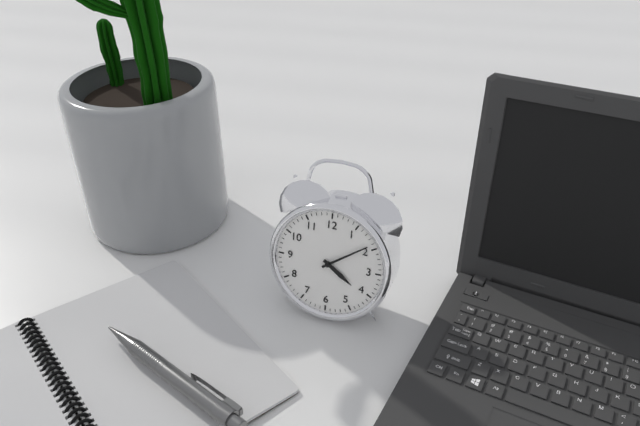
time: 4:09
